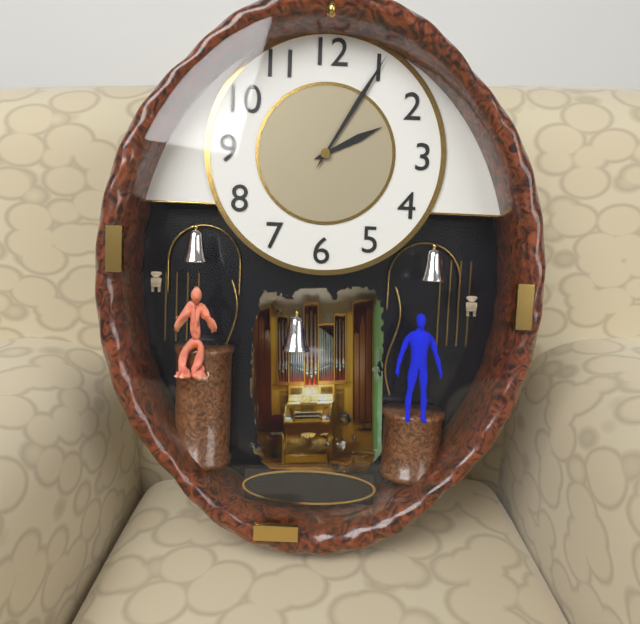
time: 2:05
